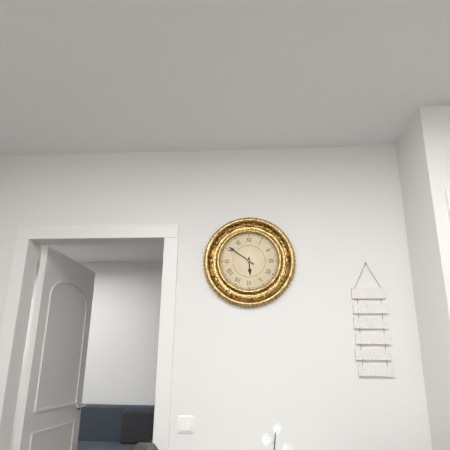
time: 5:51
